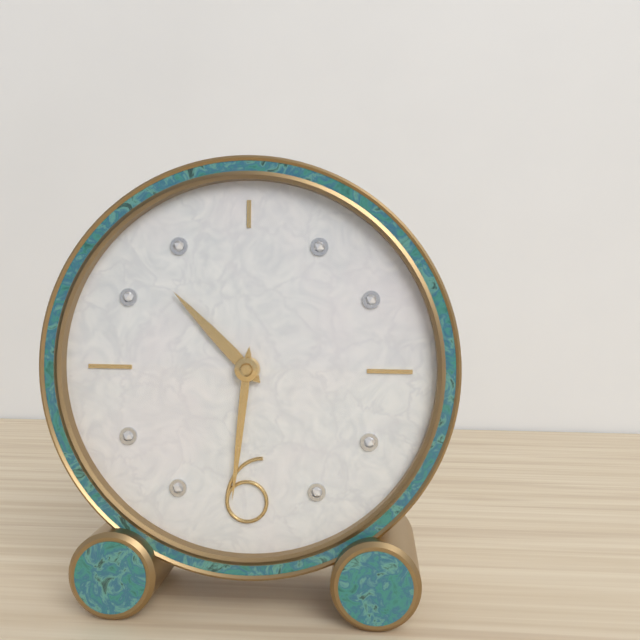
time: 10:31
